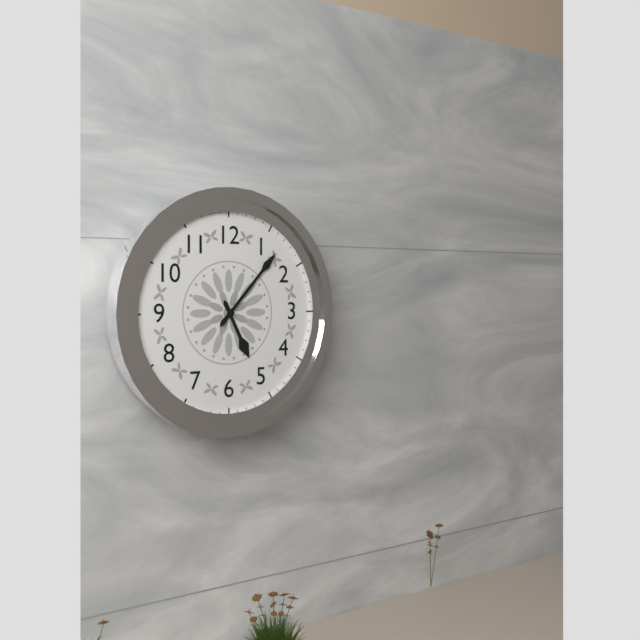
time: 5:07
